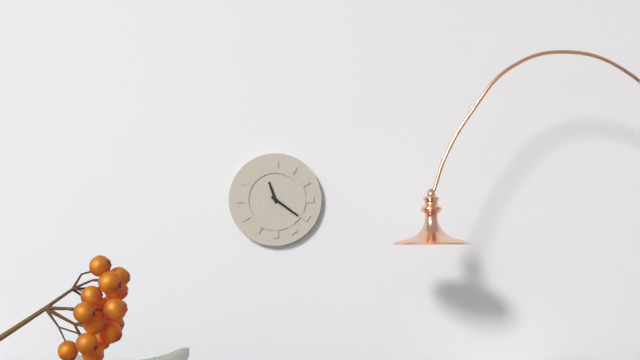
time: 11:21
